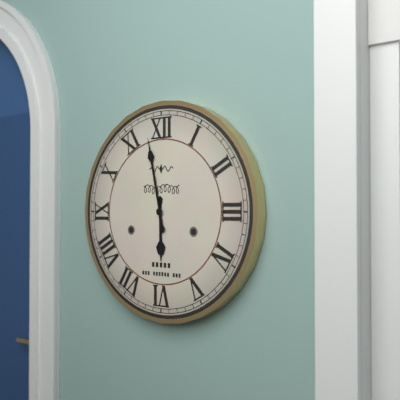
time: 5:58
